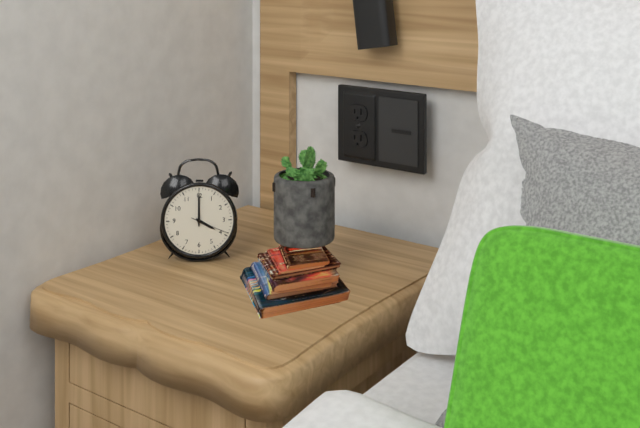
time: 4:00
